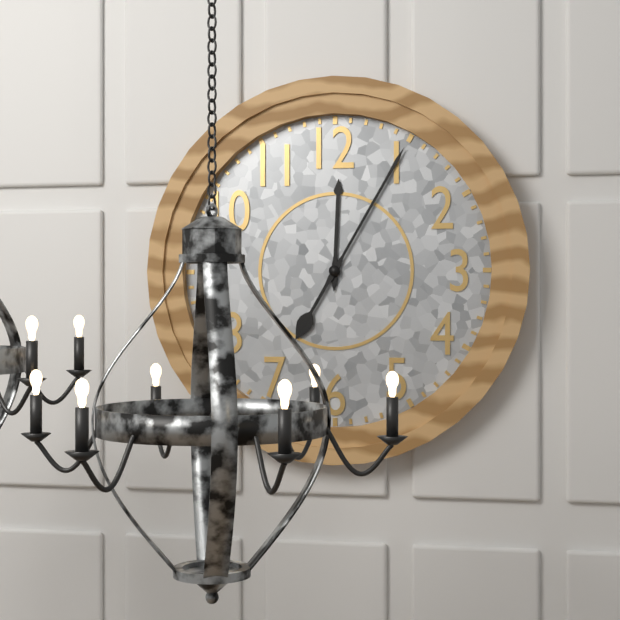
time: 12:05
